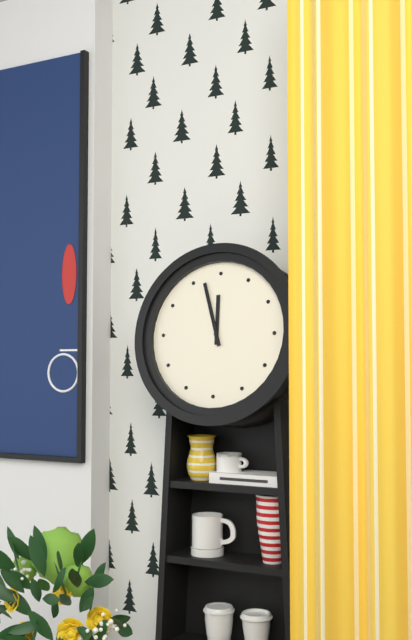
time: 11:57
